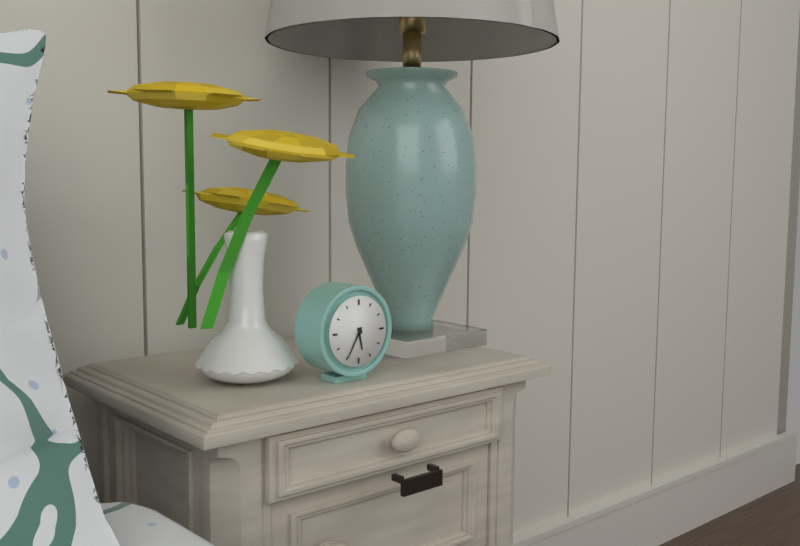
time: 5:35
